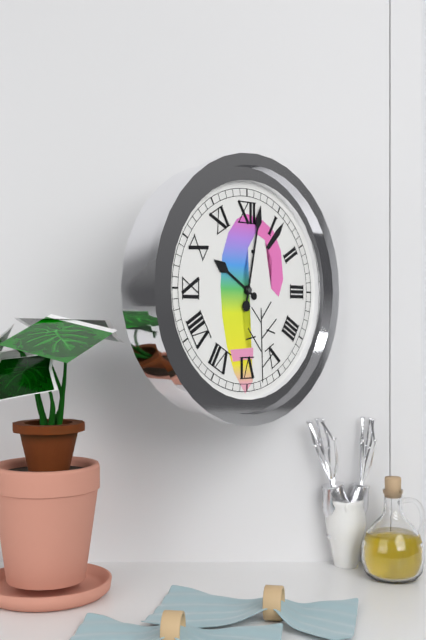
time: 10:02
